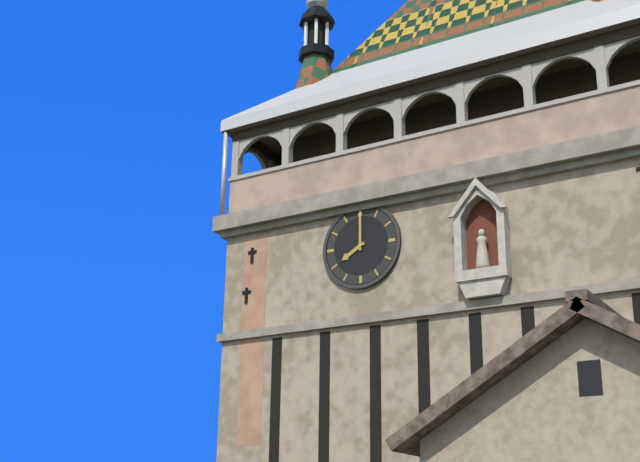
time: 8:00
